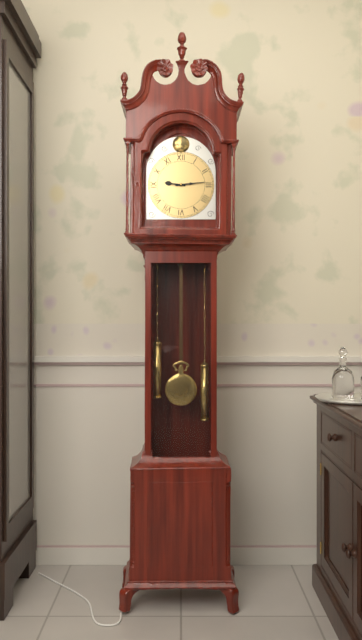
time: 9:14
